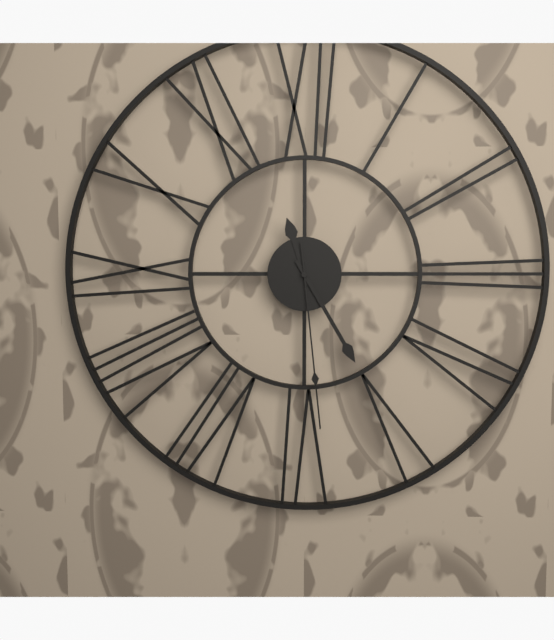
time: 11:25:29
